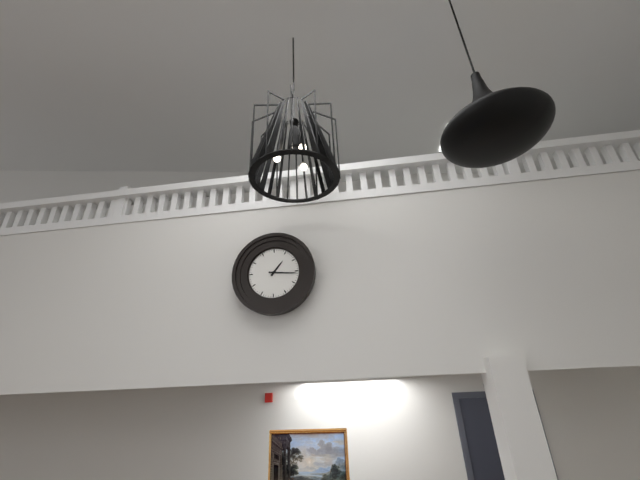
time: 1:16
